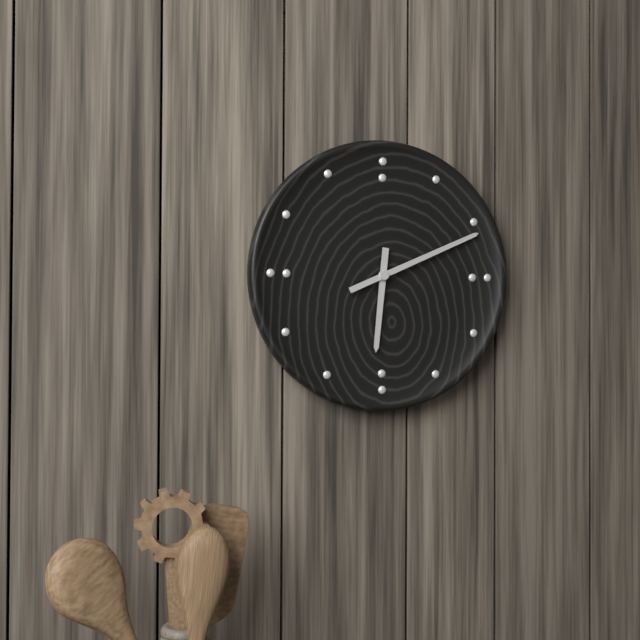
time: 6:11
